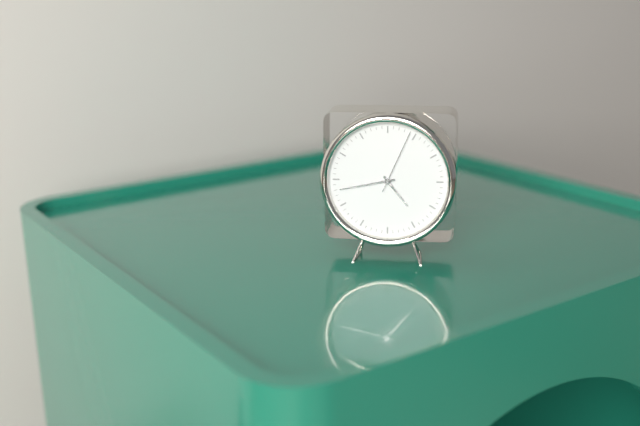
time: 4:43:04
